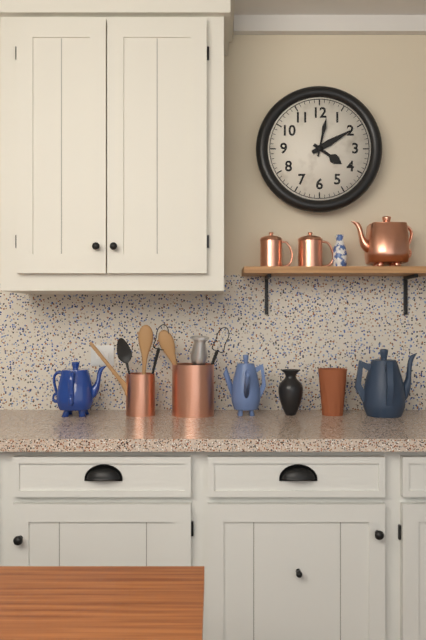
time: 4:10
